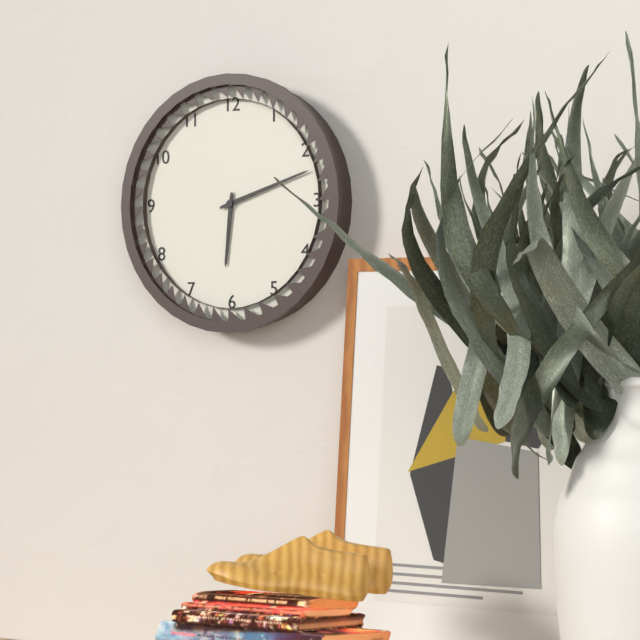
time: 6:12
